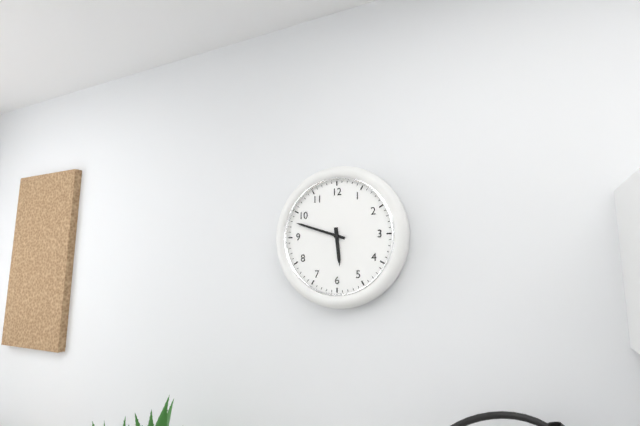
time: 5:48
